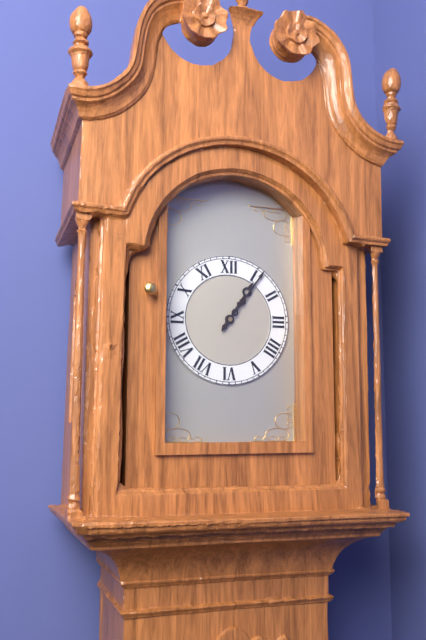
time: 1:06
